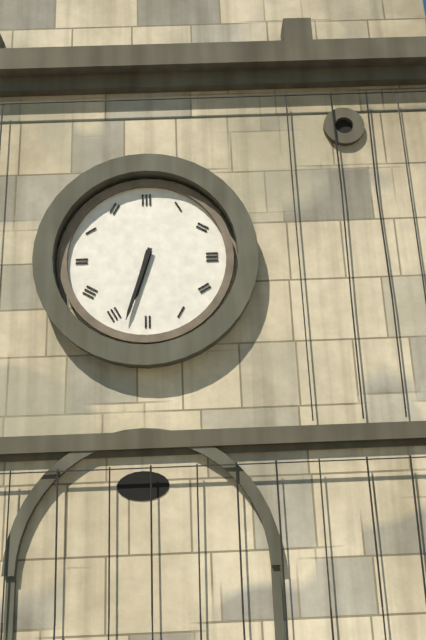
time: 6:33
